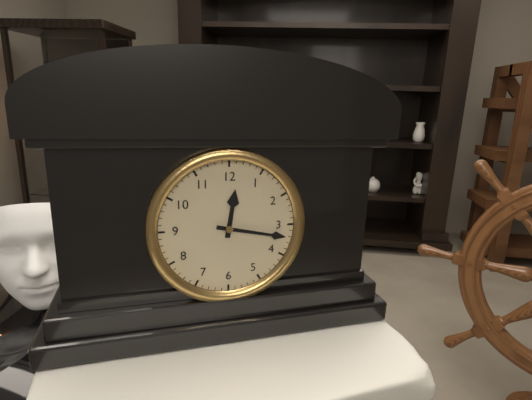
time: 12:17
